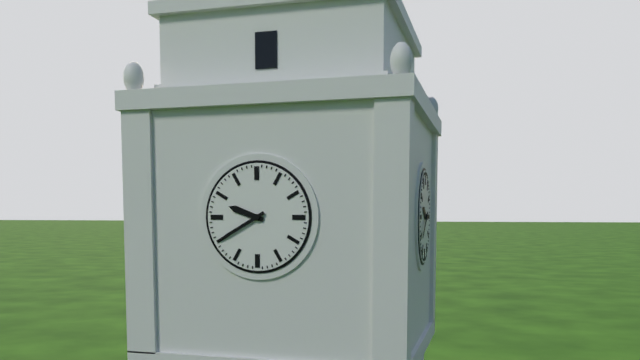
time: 9:40
